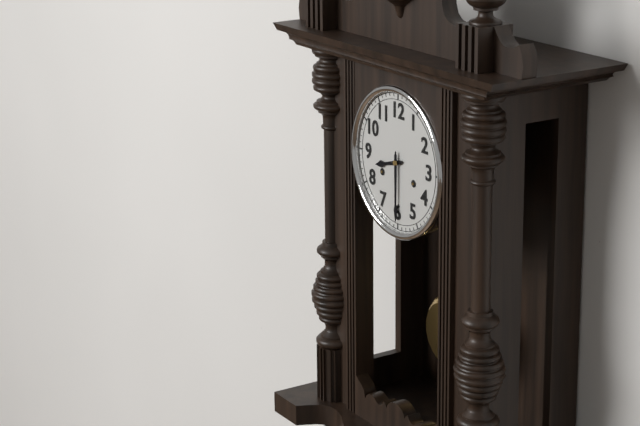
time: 8:30
